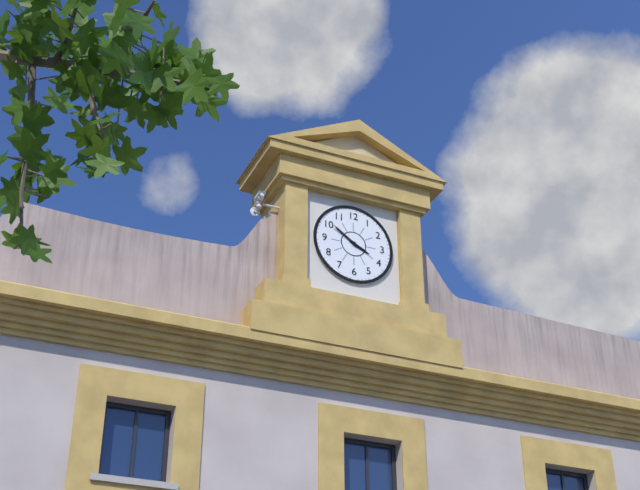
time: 3:51
